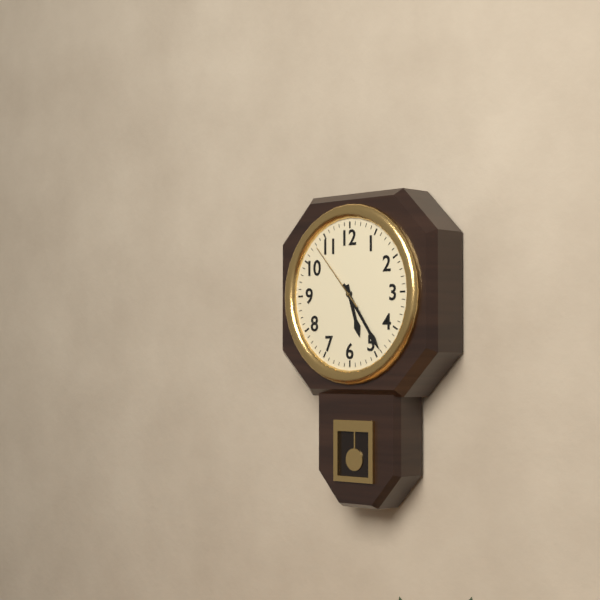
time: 5:24:53
